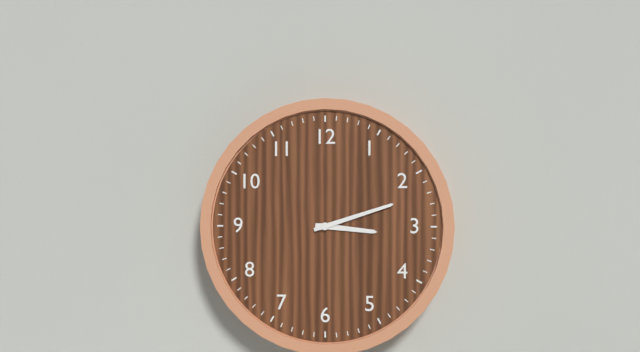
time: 3:12
